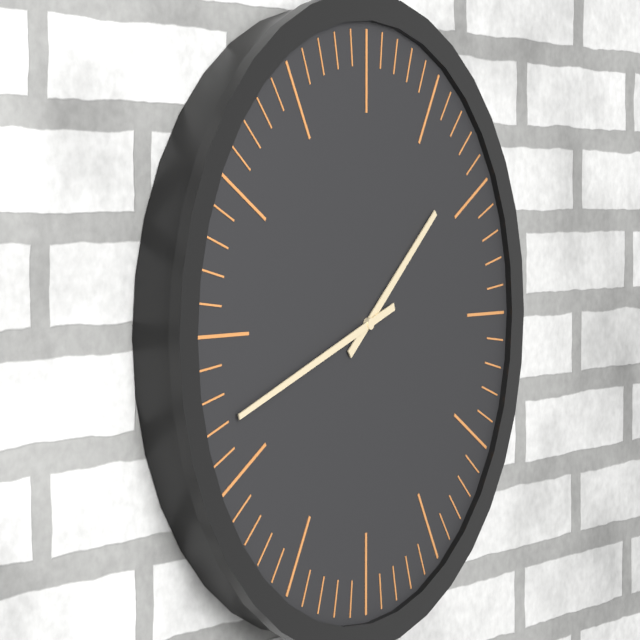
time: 1:42
